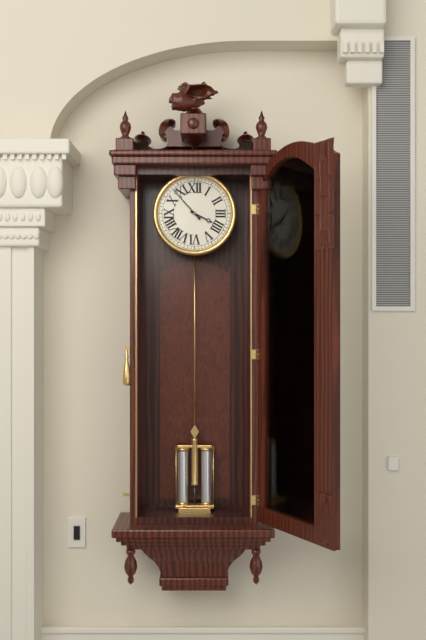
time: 3:53
